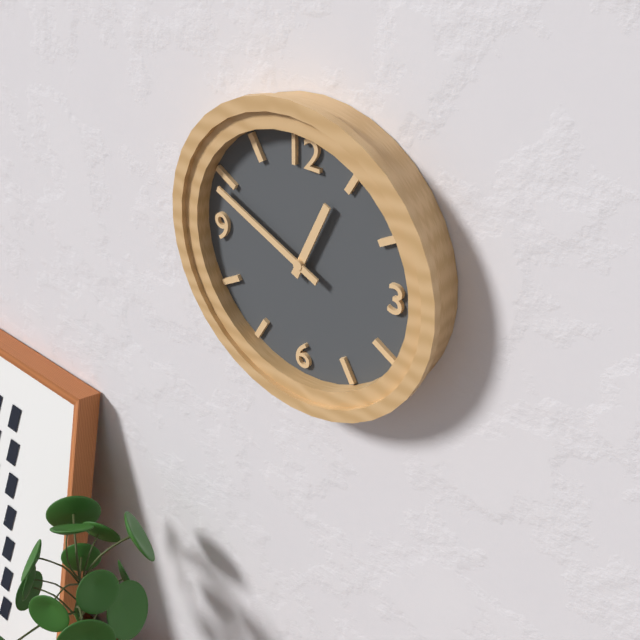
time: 12:49
